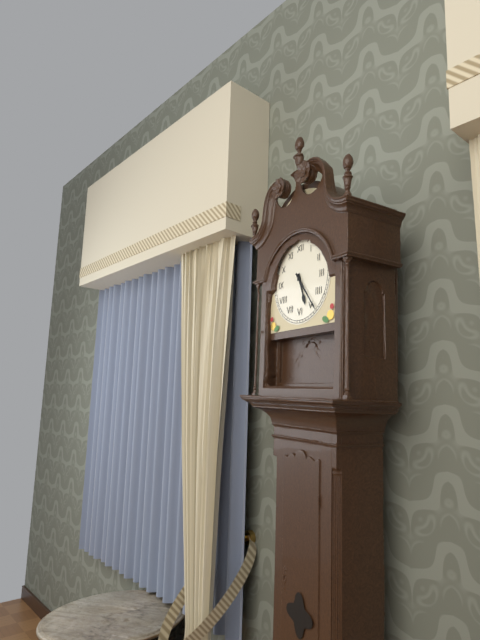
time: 5:24
